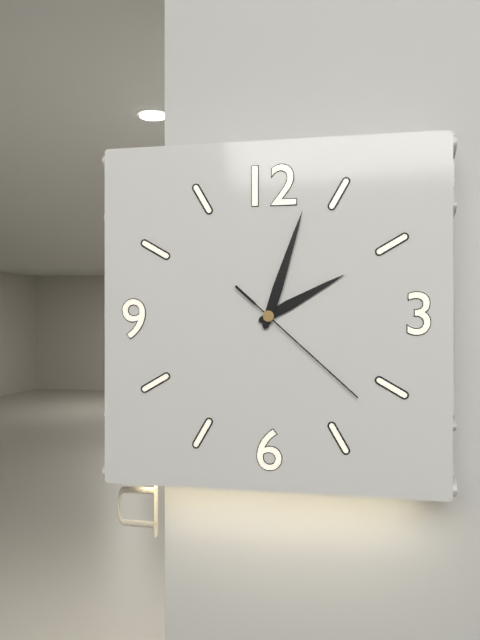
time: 2:03:22
